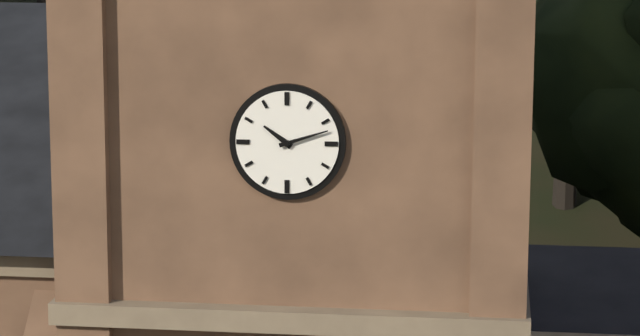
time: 10:12
